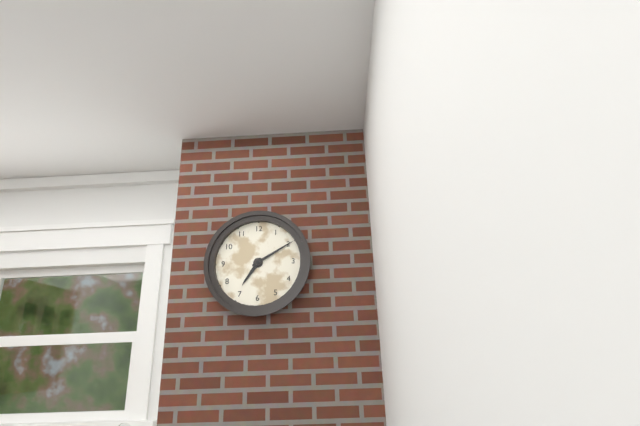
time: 7:10
